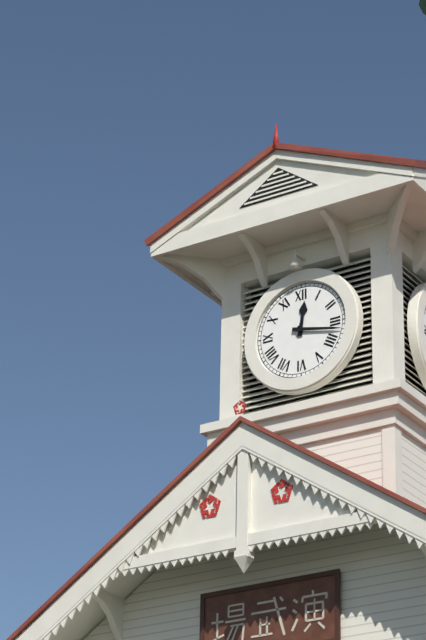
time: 12:17
